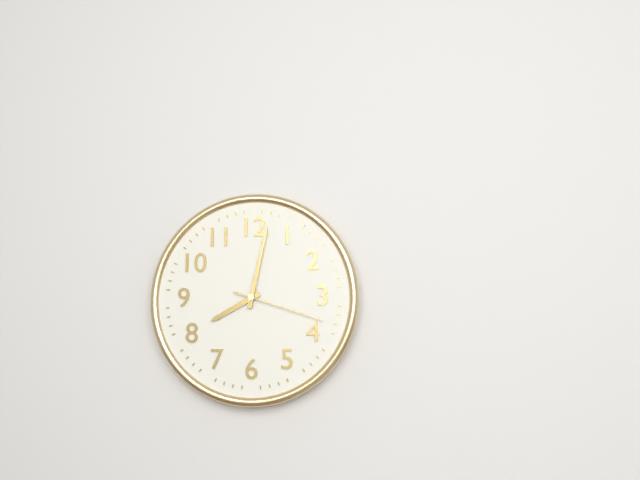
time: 8:02:18
